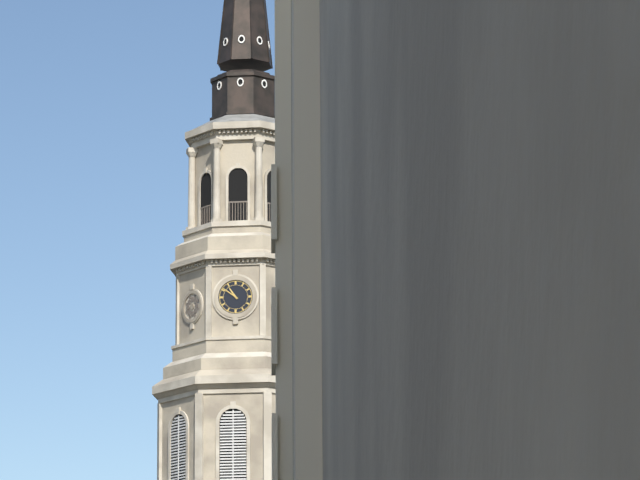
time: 10:51
